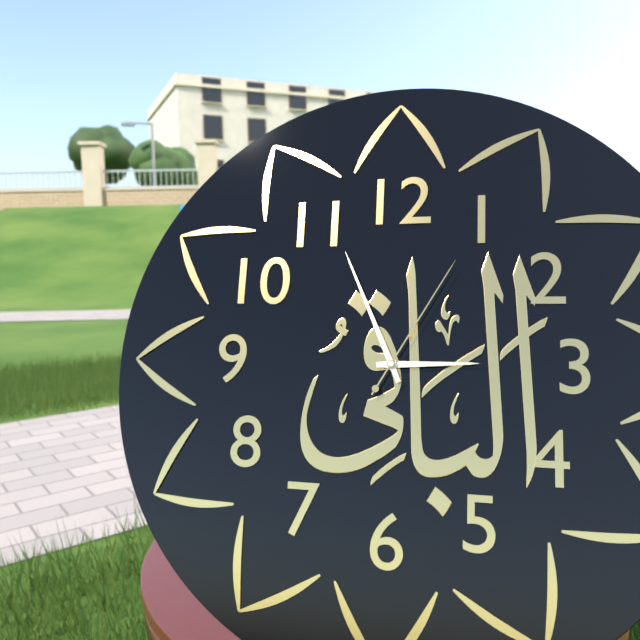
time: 2:56:05
